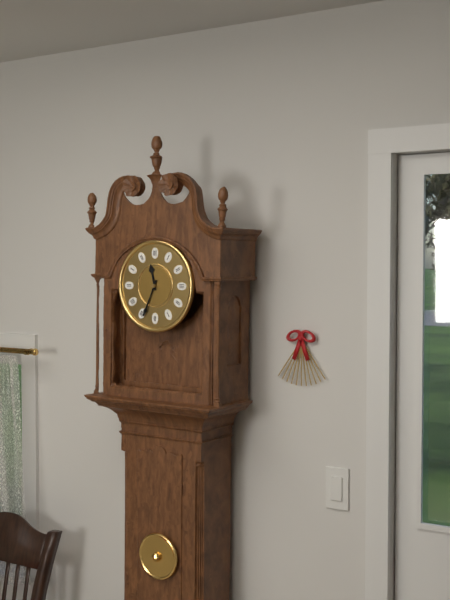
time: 11:34
